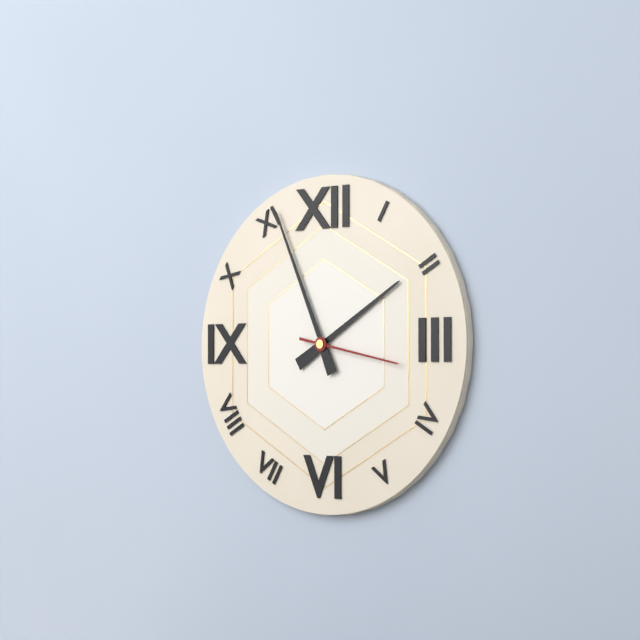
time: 1:56:17
